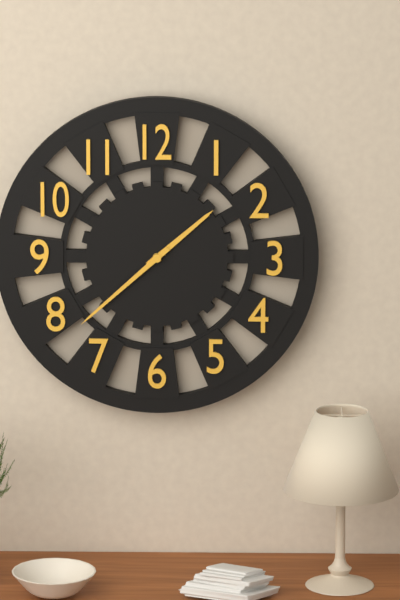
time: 1:38
